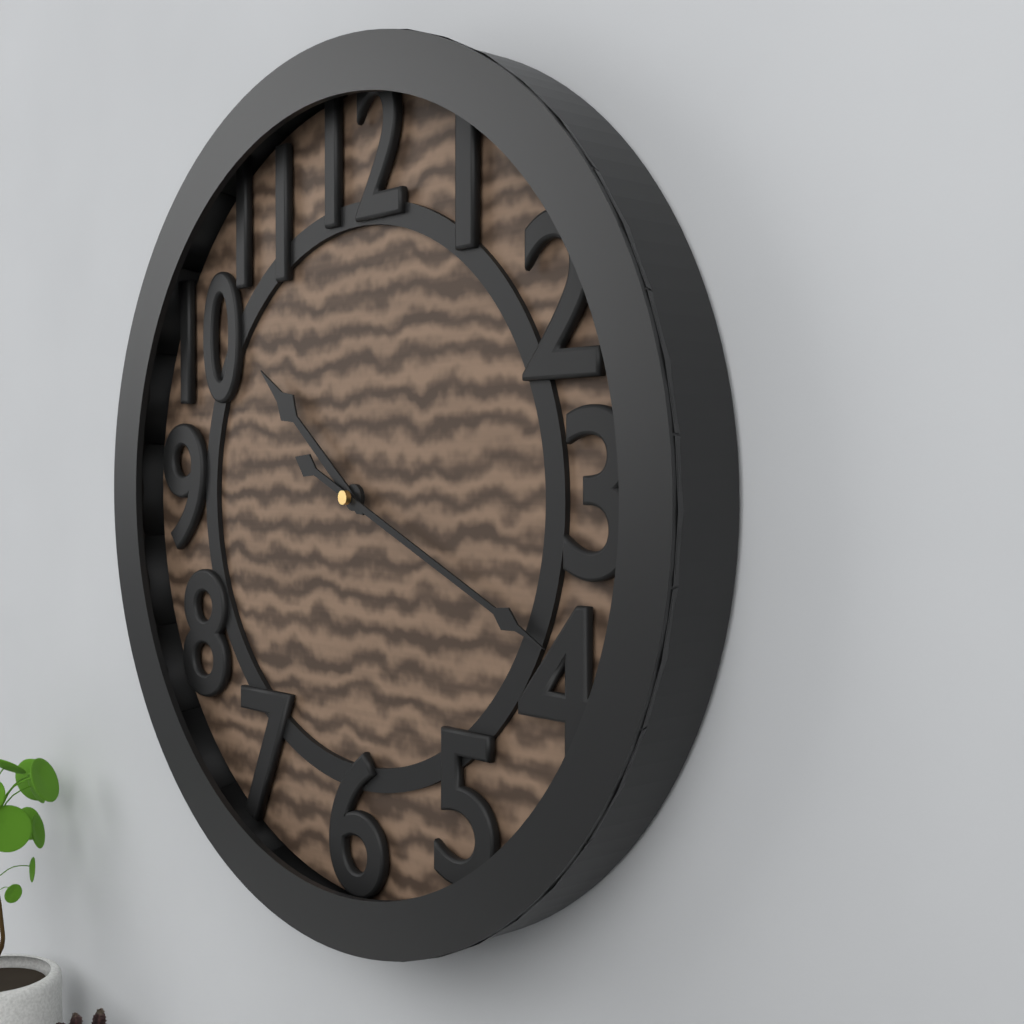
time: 10:19
